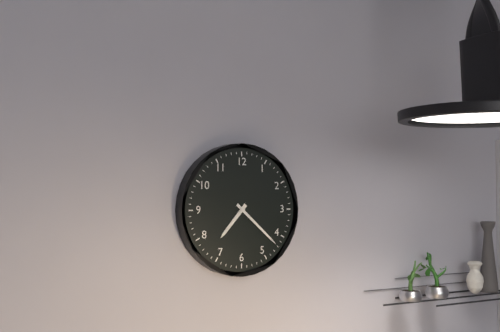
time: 7:22
